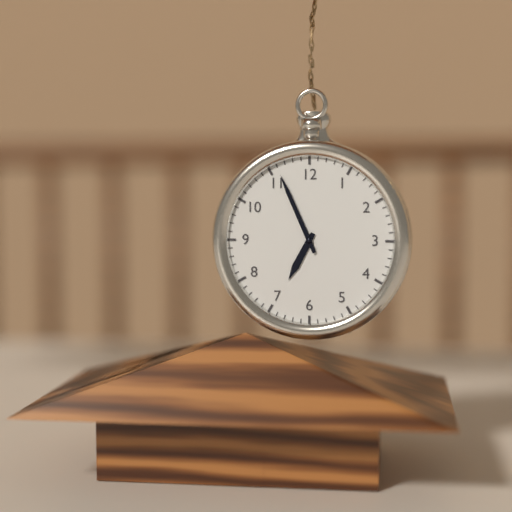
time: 6:56
